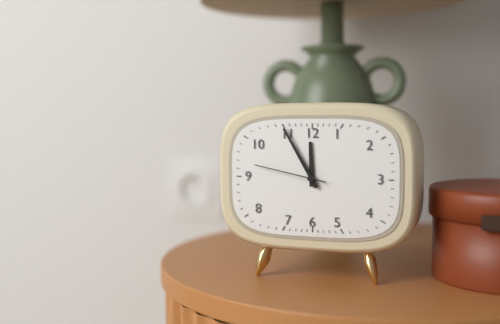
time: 11:55:47
